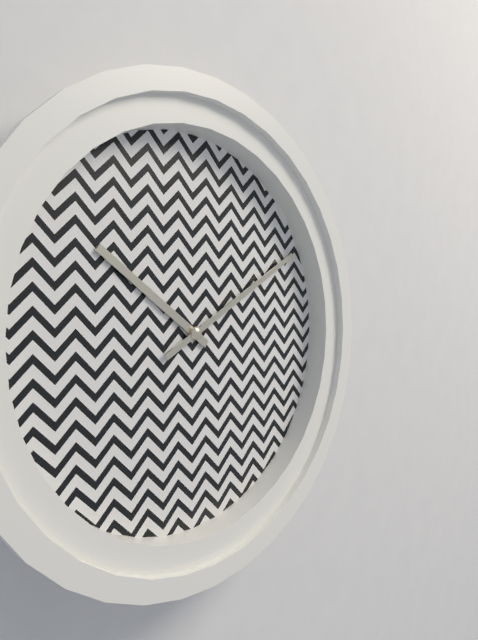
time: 10:10
